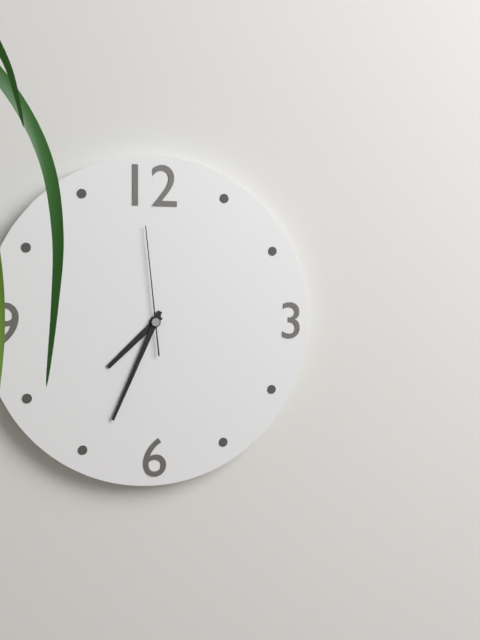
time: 7:34:59
